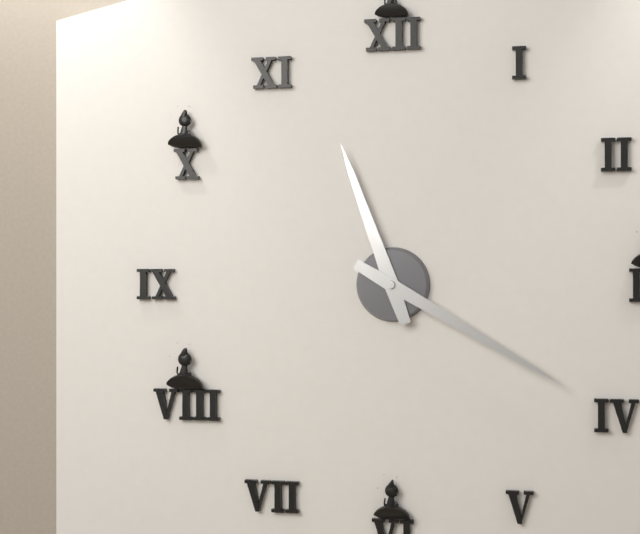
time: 11:20
